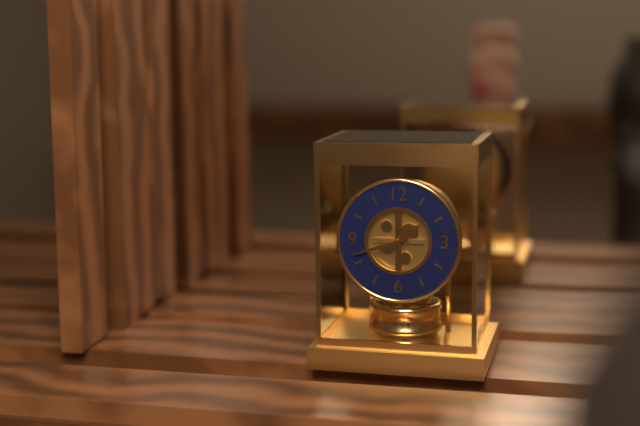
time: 1:42
